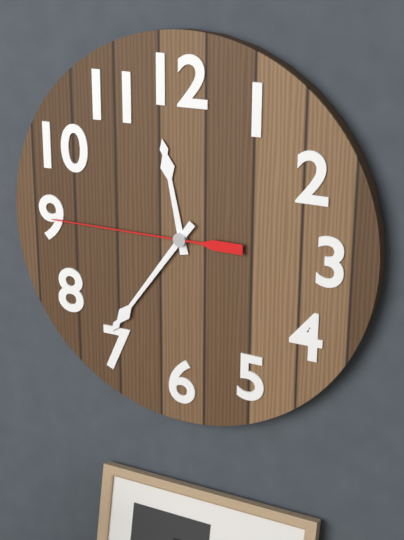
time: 11:36:45
